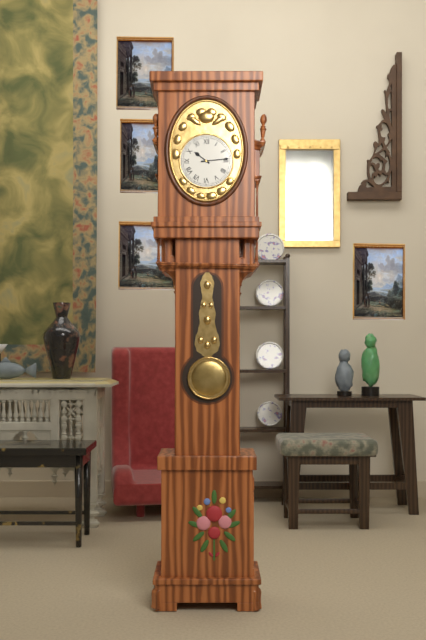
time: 10:14
